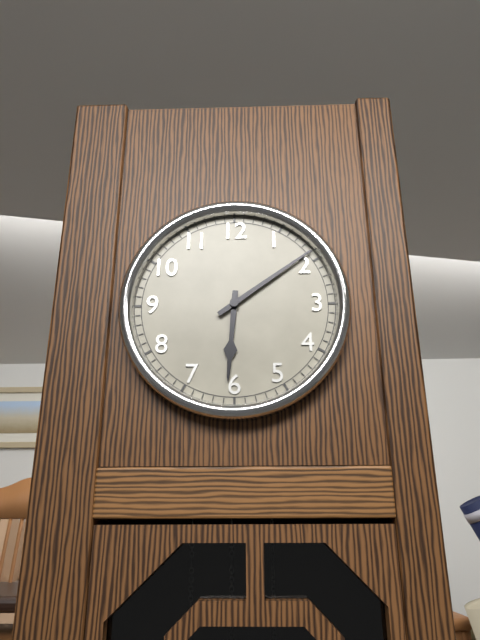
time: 6:09
